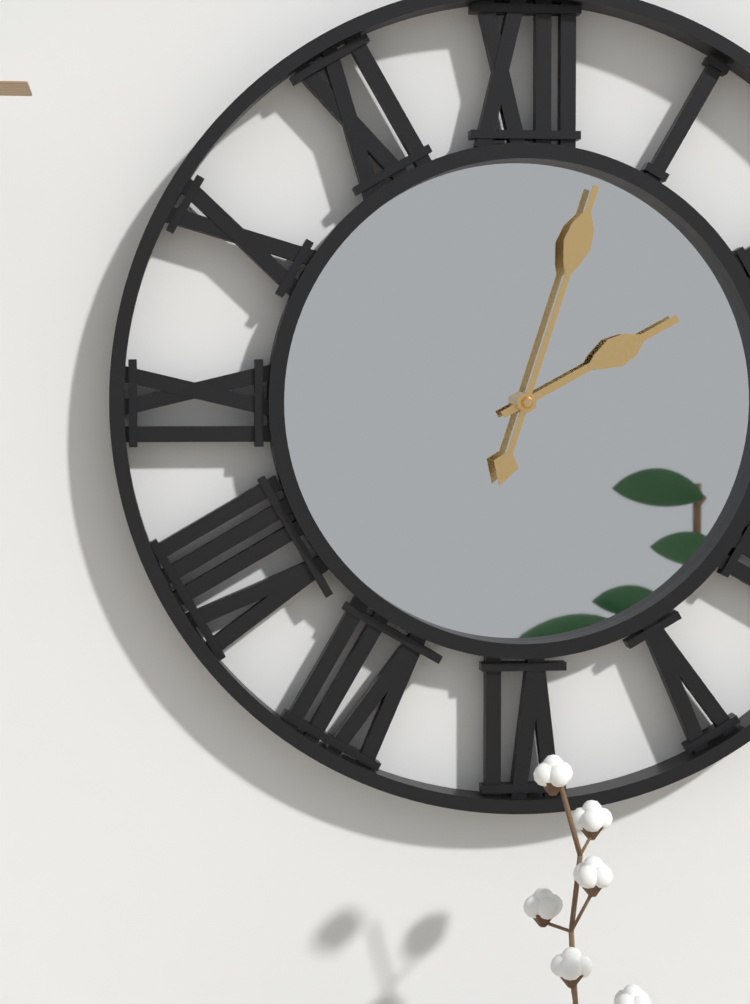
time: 2:03
